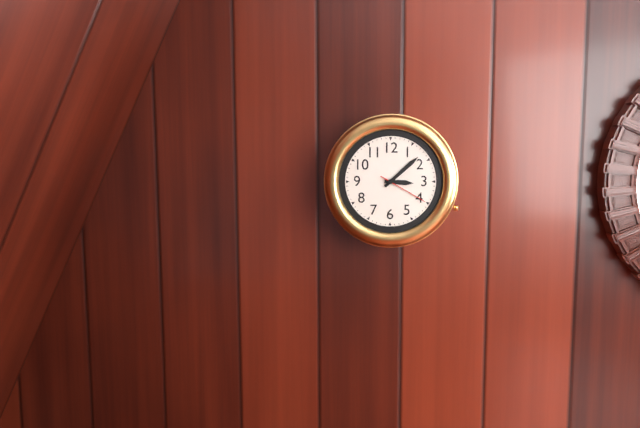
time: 3:08
